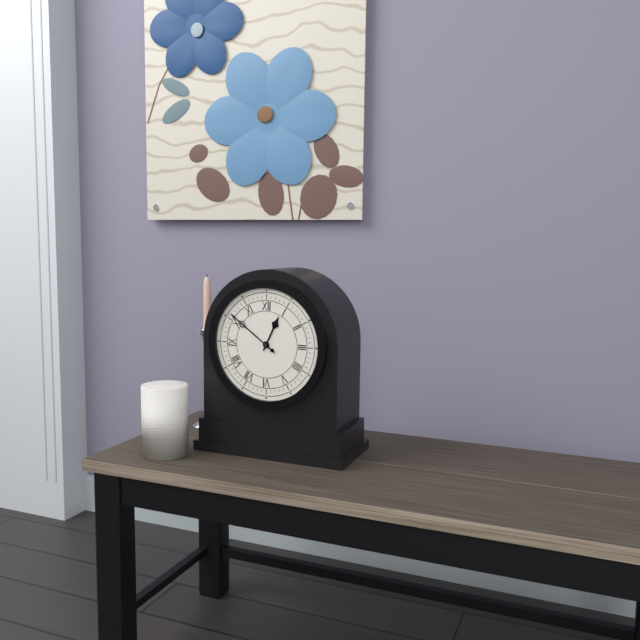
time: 12:51
